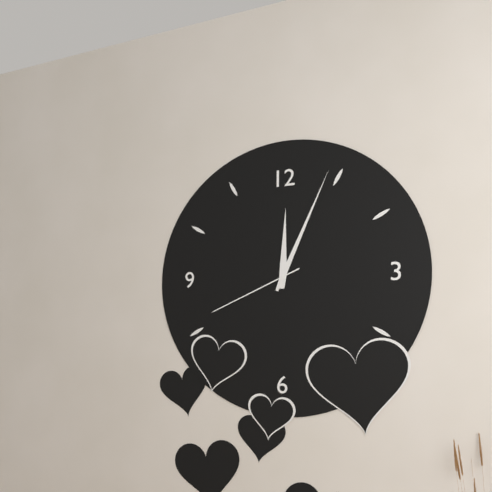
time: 12:04:41
